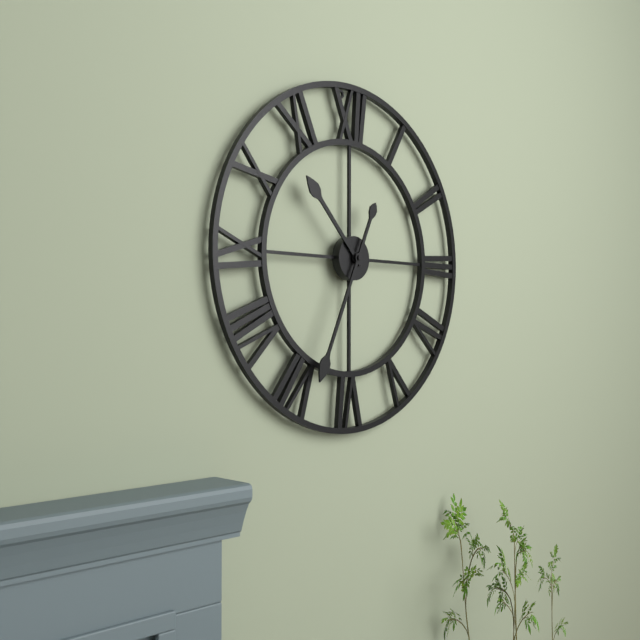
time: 10:34
